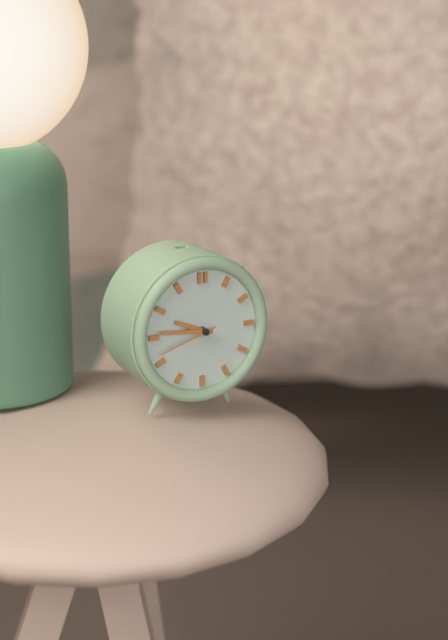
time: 9:46:42
